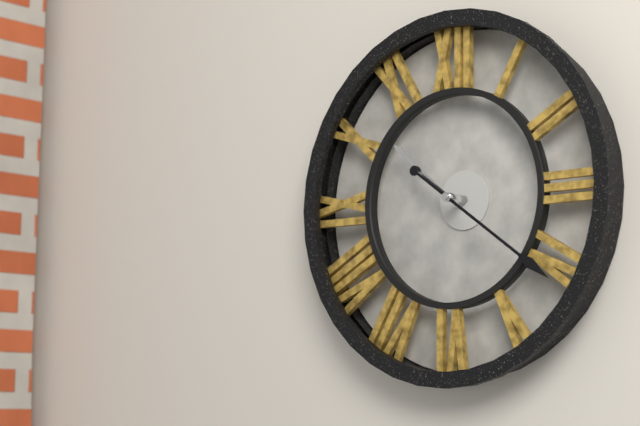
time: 10:21
